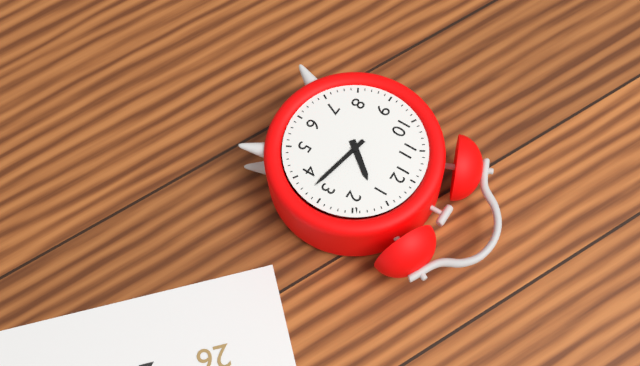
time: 1:17
